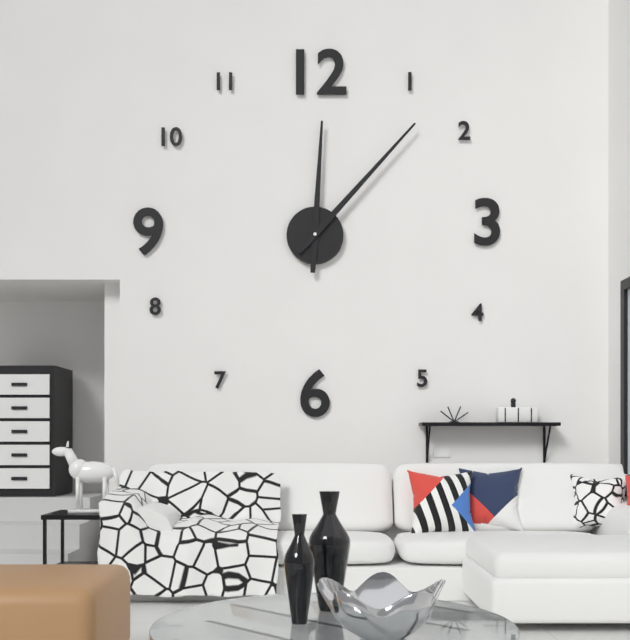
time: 12:07
